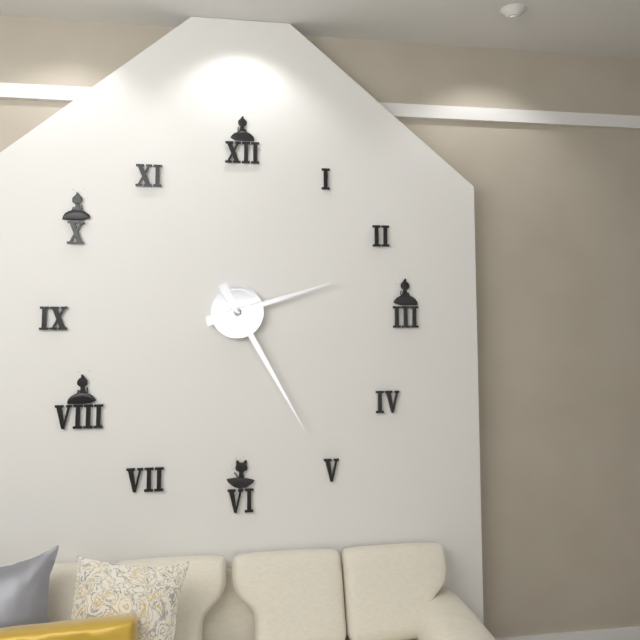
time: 2:25
